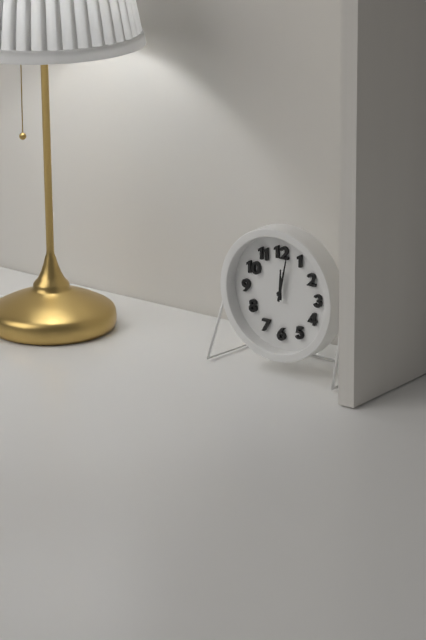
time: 12:02
